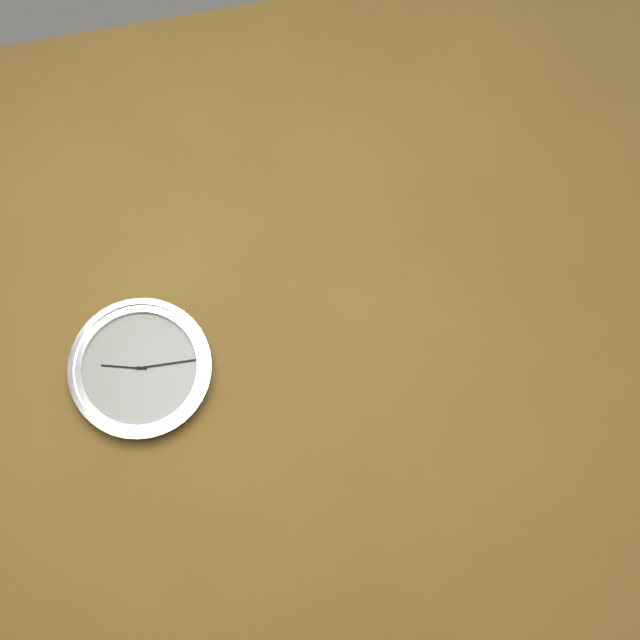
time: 9:14
